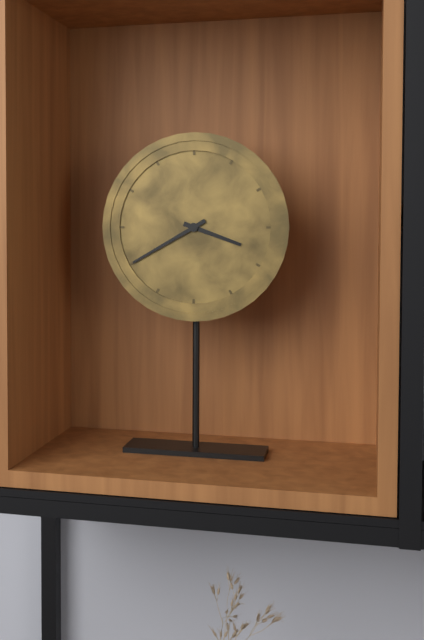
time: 3:40
